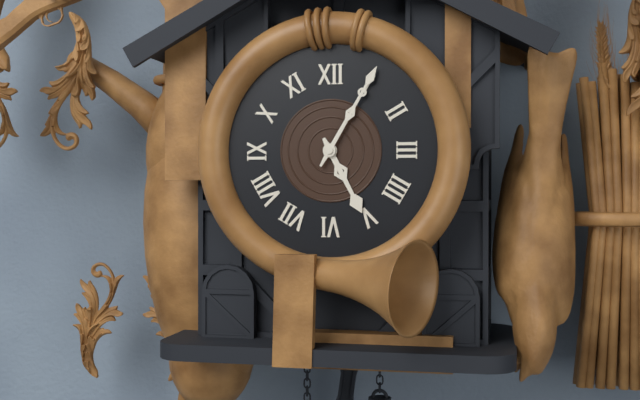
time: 5:05
